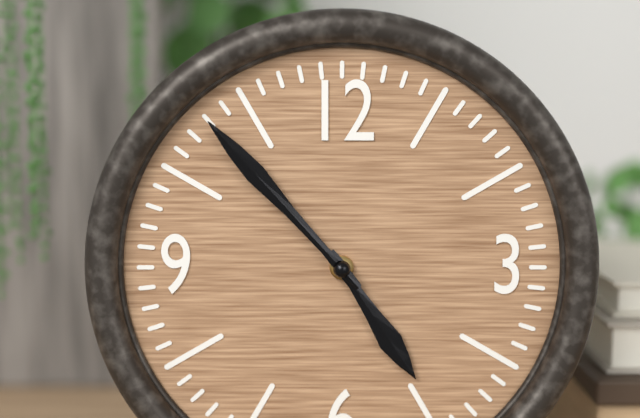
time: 4:53
